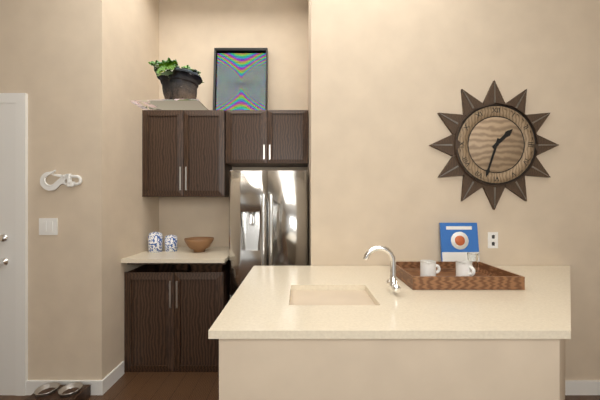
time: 1:33
